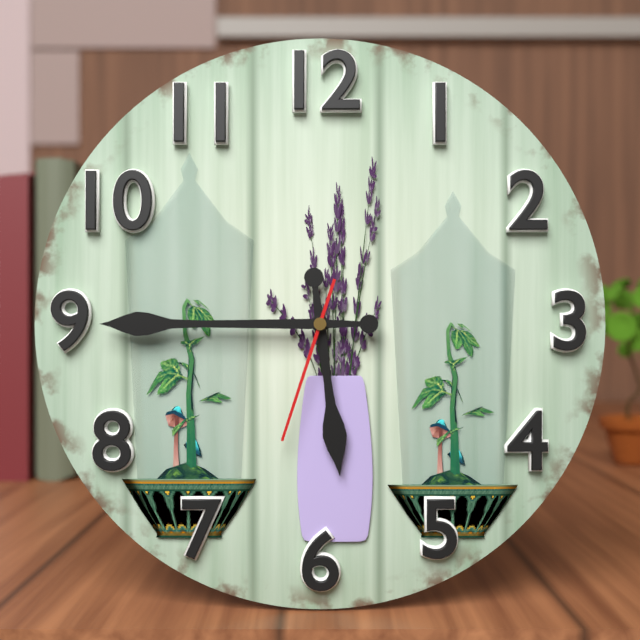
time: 5:45:33
